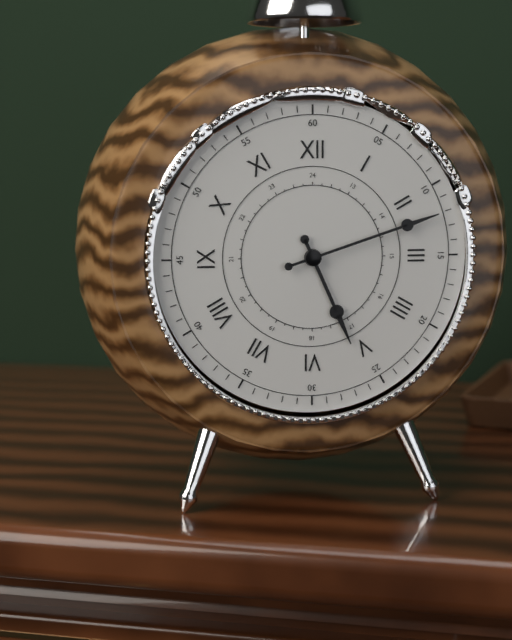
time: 5:12
